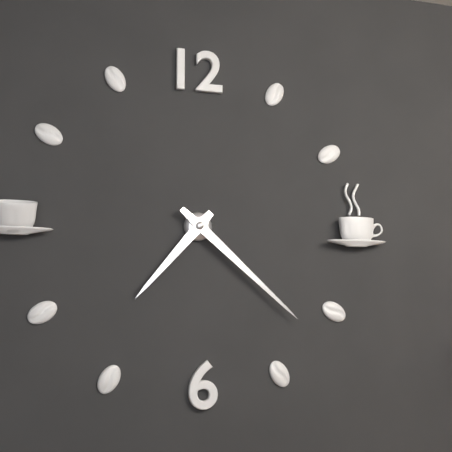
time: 7:22
